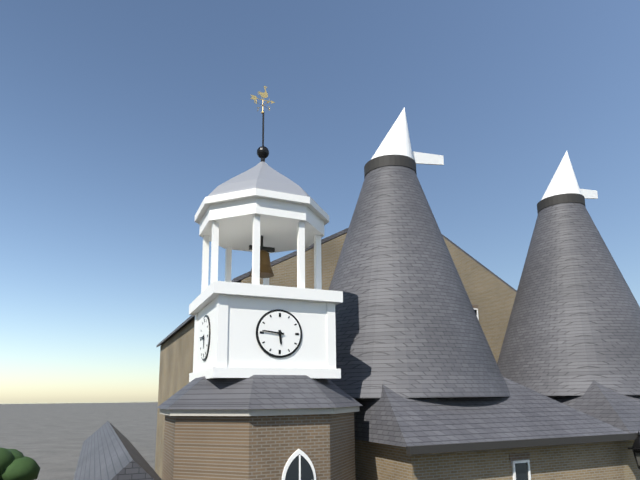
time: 5:46
